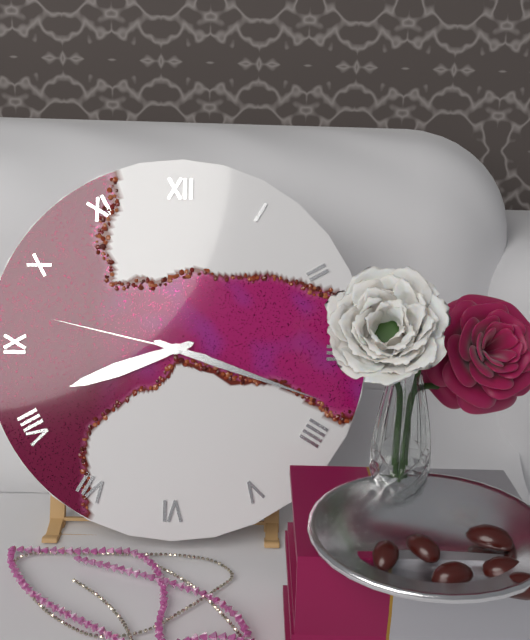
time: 8:18:47
